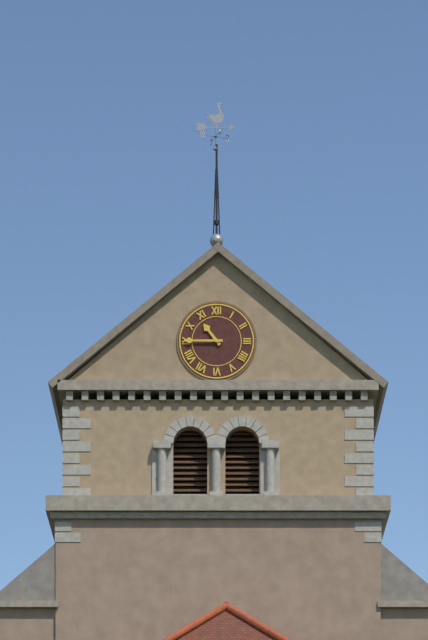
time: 10:45
